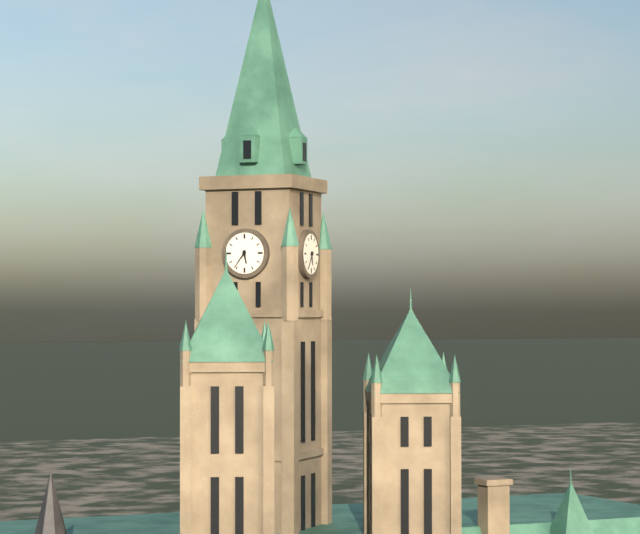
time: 5:36
